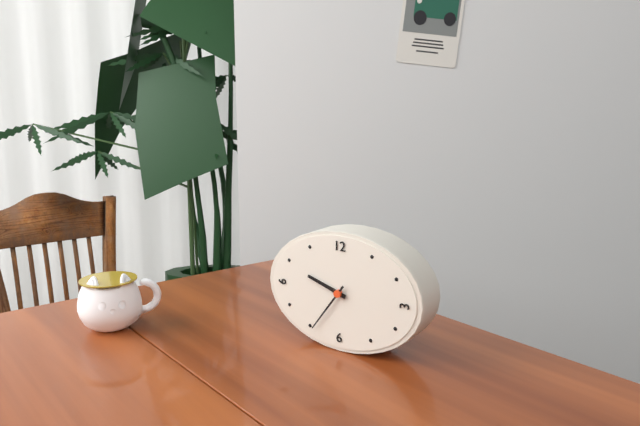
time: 9:36
